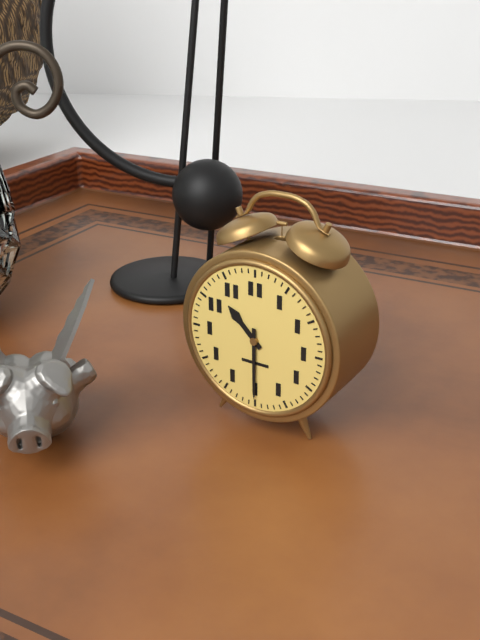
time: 10:30
